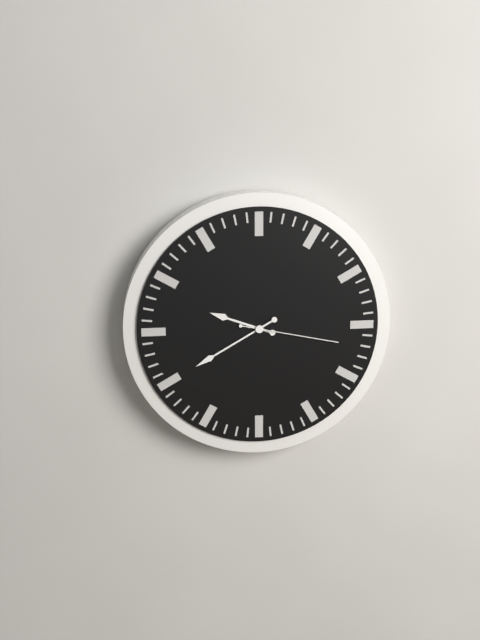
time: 9:40:17
